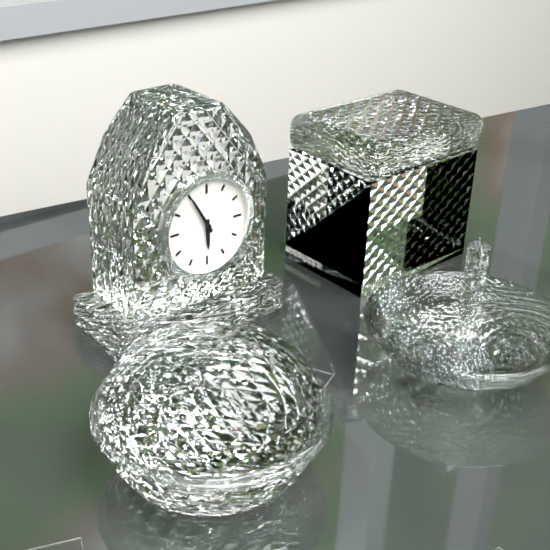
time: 5:55
